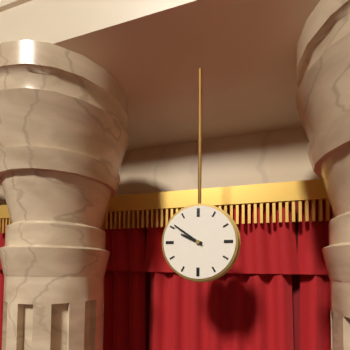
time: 9:51
